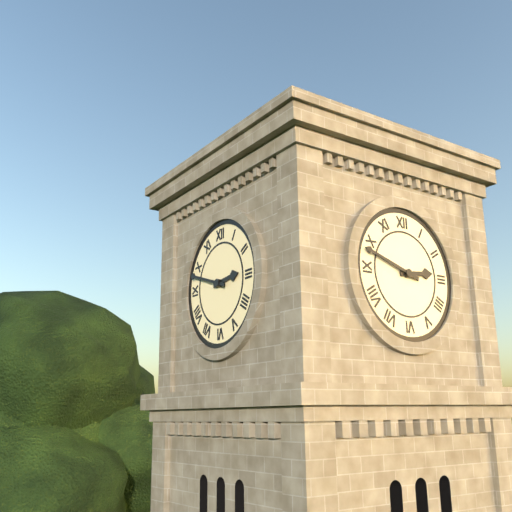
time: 2:48
